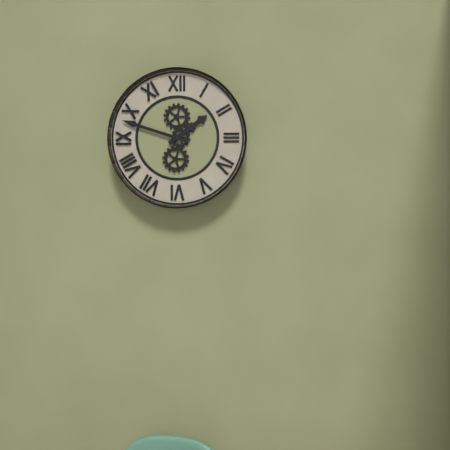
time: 1:48
